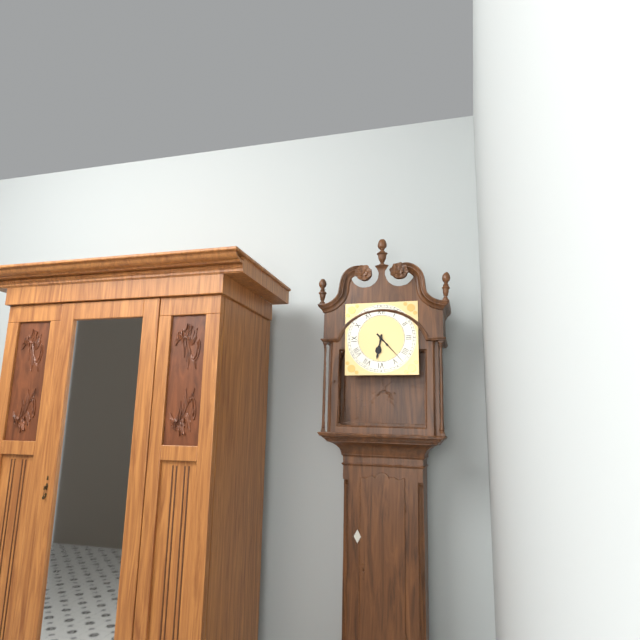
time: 6:23
